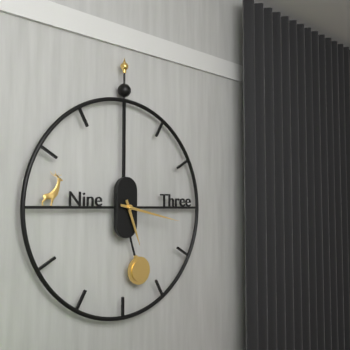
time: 5:17
